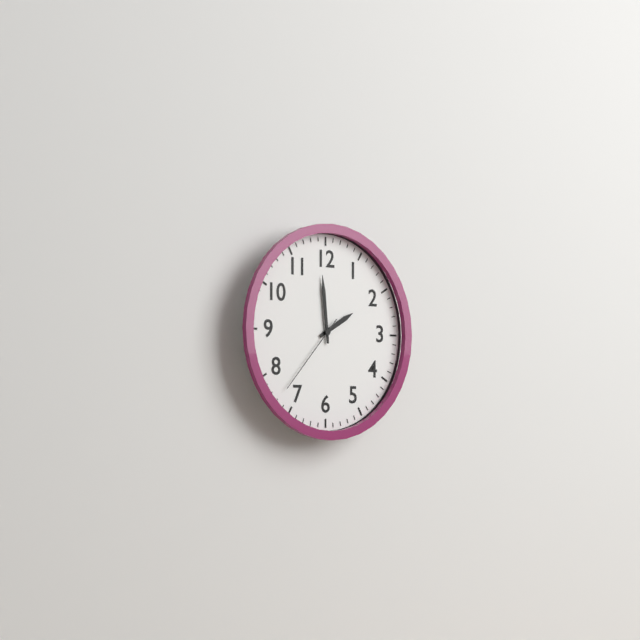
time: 1:59:37
